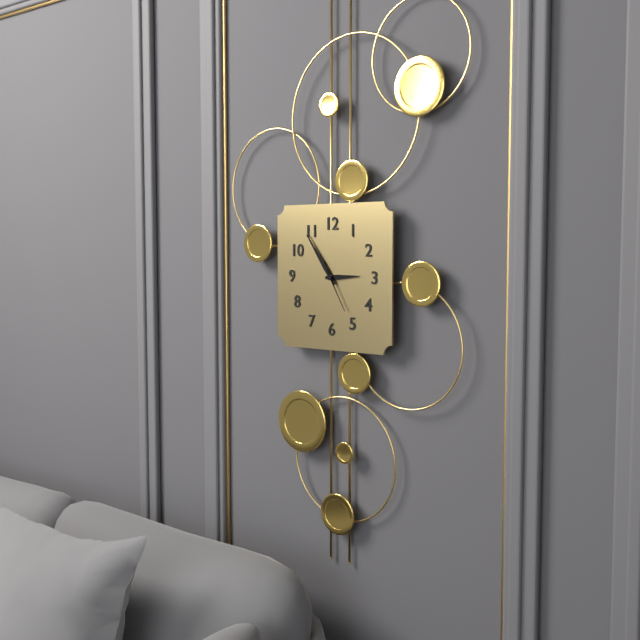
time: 2:54
